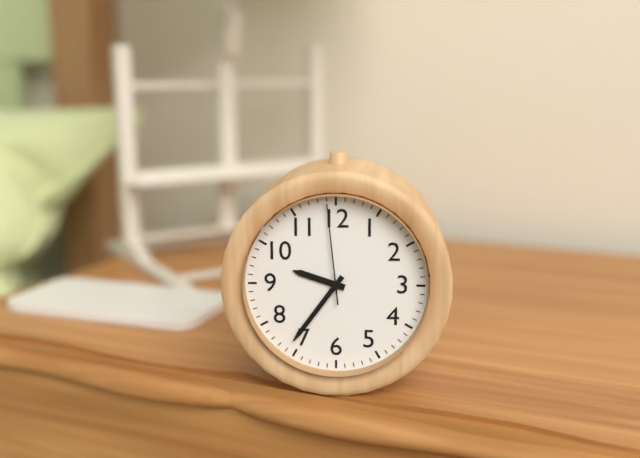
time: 9:36:59
